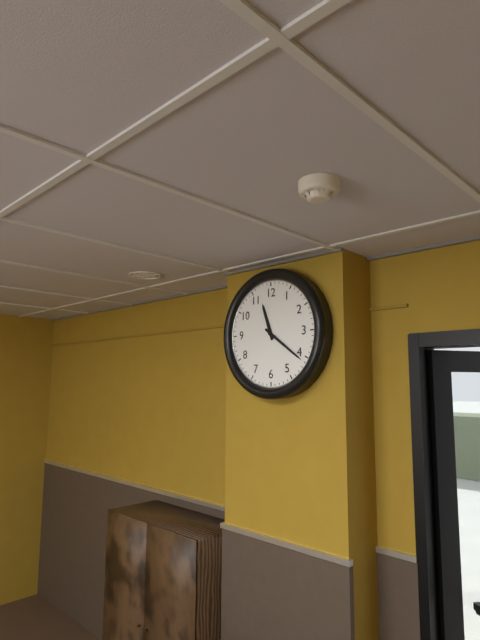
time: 11:21
